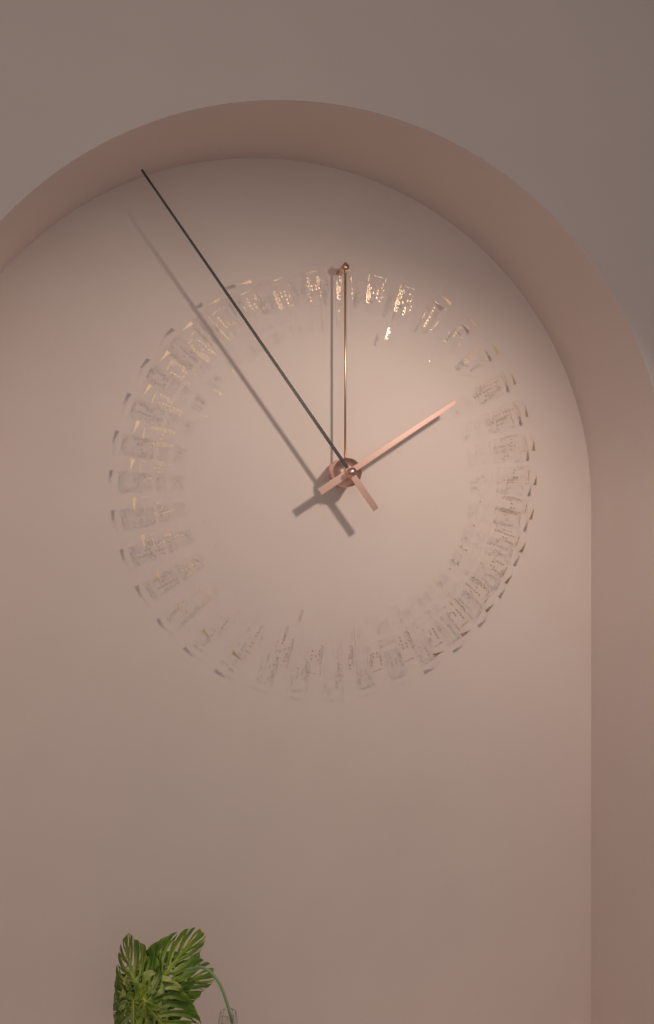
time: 1:54
